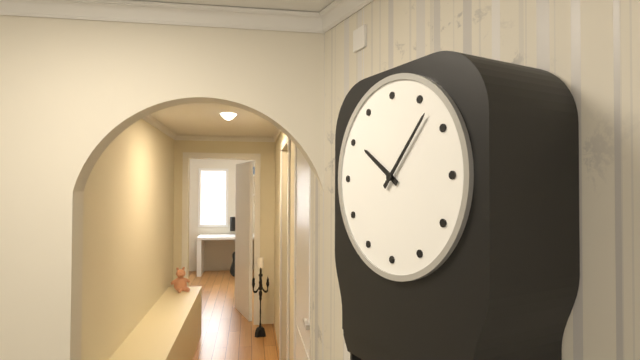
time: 10:07
